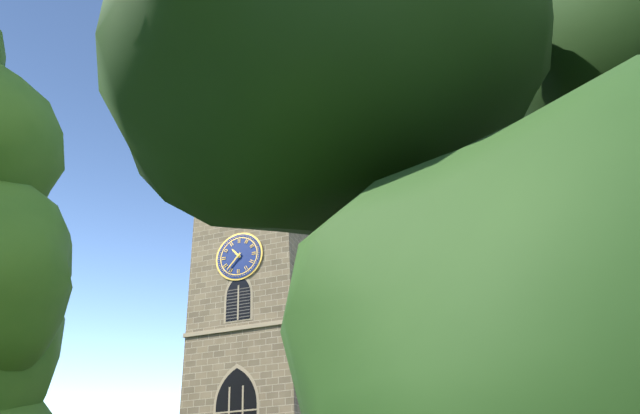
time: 10:37
